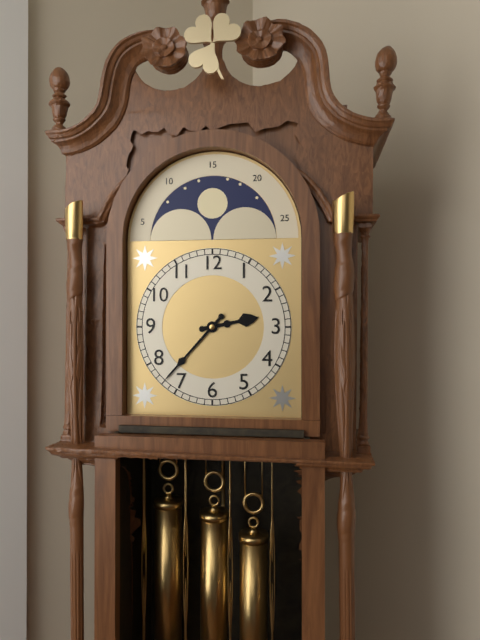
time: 2:37
